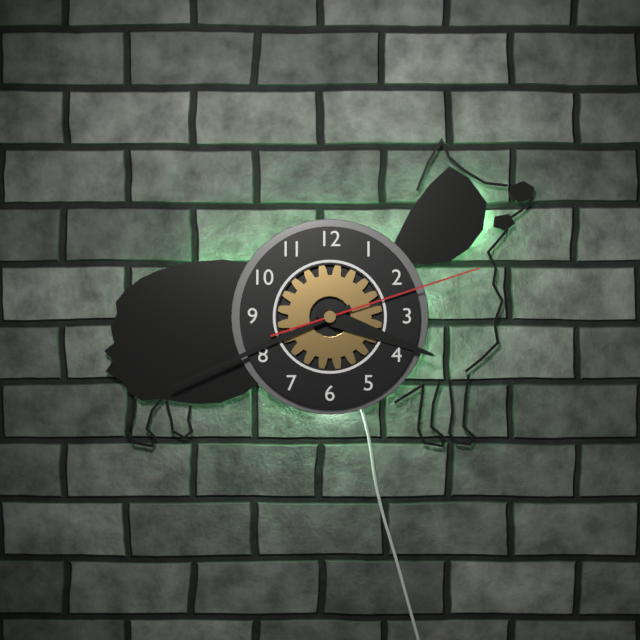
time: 3:41:12
